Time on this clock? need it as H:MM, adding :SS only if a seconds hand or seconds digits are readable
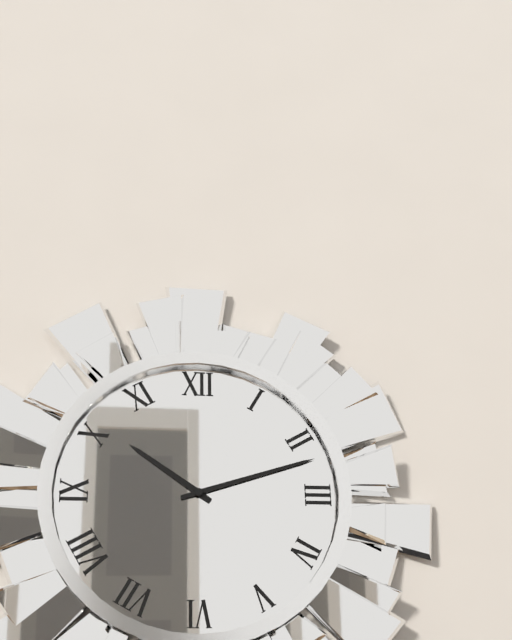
10:12
